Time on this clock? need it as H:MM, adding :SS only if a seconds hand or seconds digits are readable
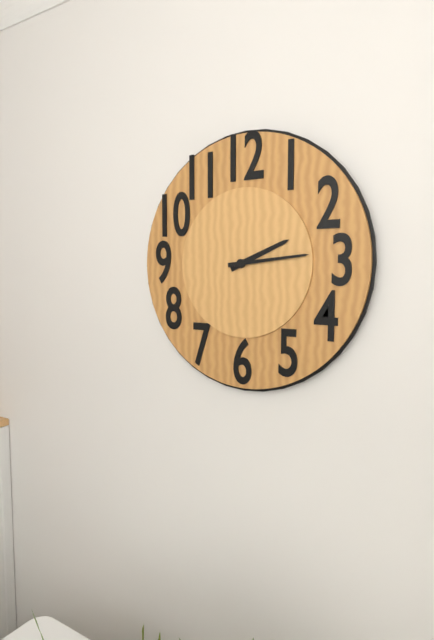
2:14
